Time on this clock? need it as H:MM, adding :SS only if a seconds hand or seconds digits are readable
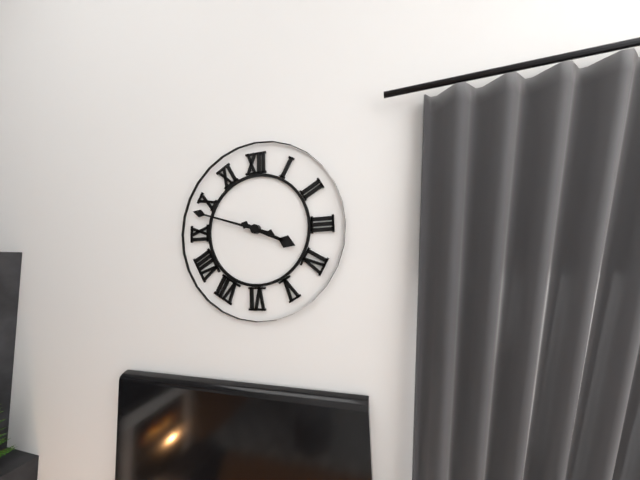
3:48
